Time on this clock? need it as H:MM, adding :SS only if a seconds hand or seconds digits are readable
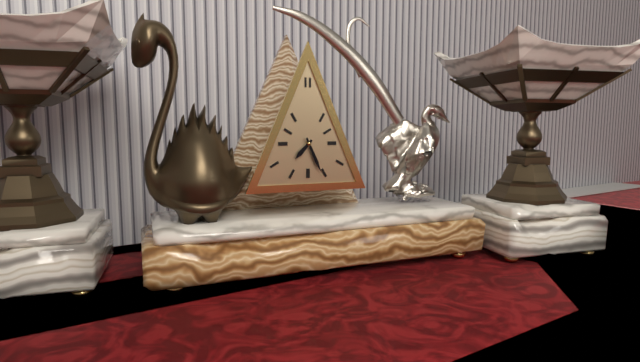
7:26
